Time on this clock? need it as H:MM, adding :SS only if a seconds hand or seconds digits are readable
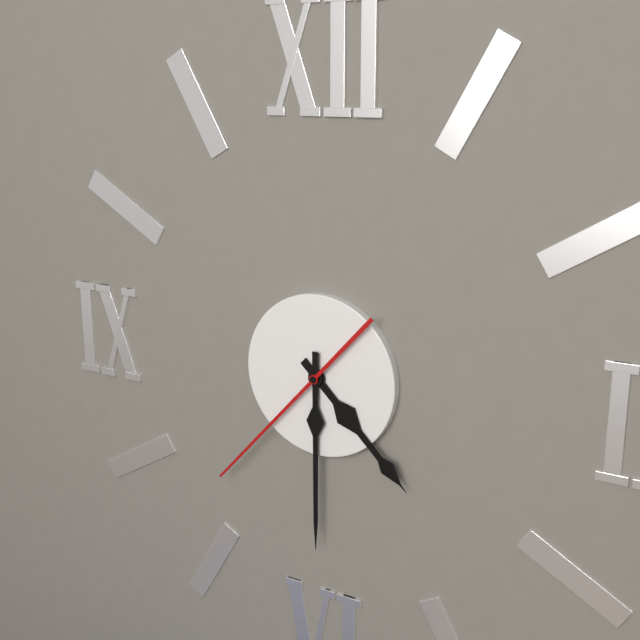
4:30:37
